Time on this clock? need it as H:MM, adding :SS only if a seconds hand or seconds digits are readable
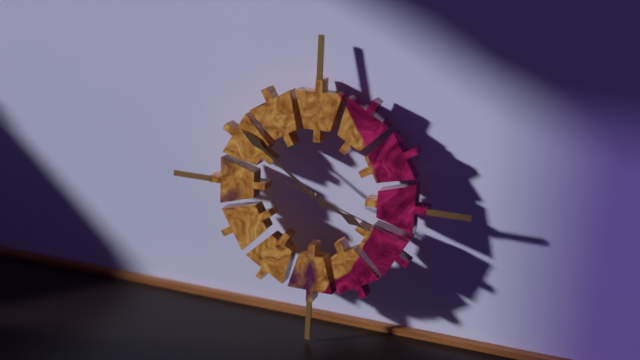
3:51:18
